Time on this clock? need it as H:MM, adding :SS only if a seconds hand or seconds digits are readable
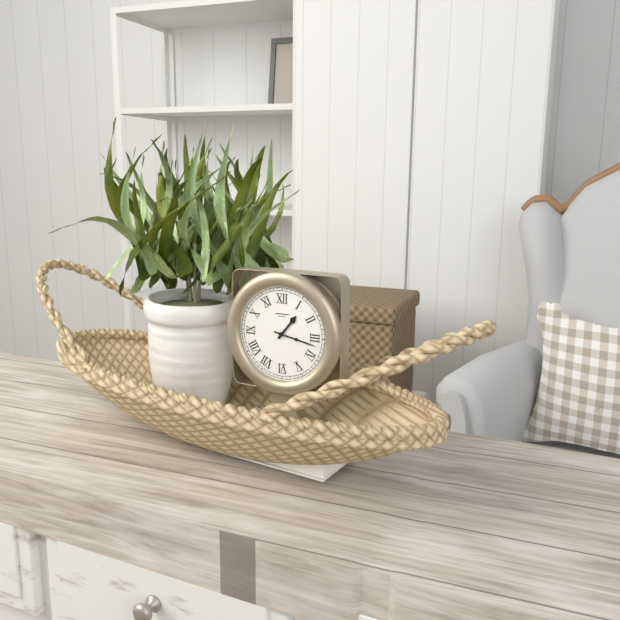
1:17
